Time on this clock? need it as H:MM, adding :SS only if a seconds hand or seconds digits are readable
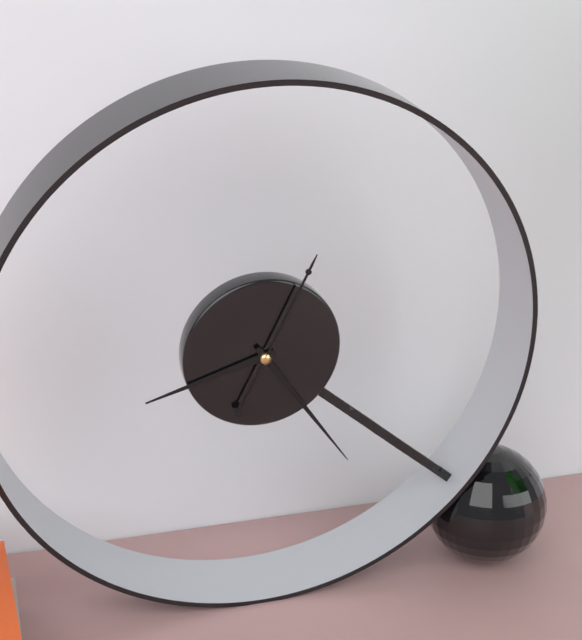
8:24:04
